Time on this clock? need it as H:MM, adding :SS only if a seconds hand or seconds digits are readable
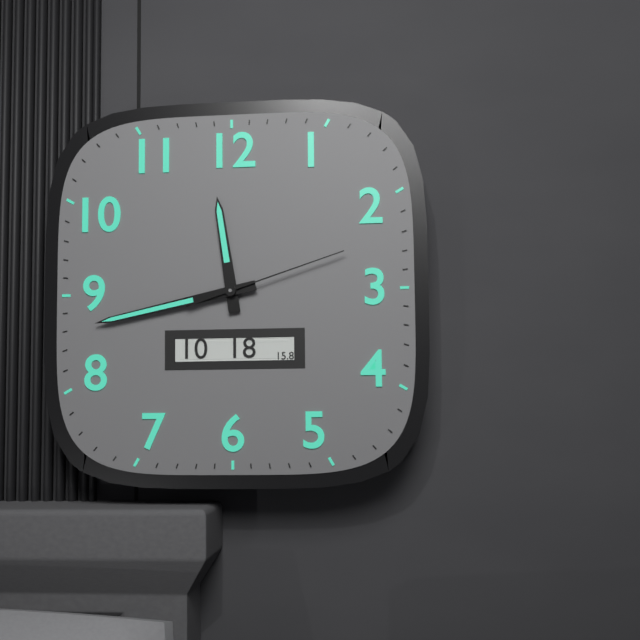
11:43:12
